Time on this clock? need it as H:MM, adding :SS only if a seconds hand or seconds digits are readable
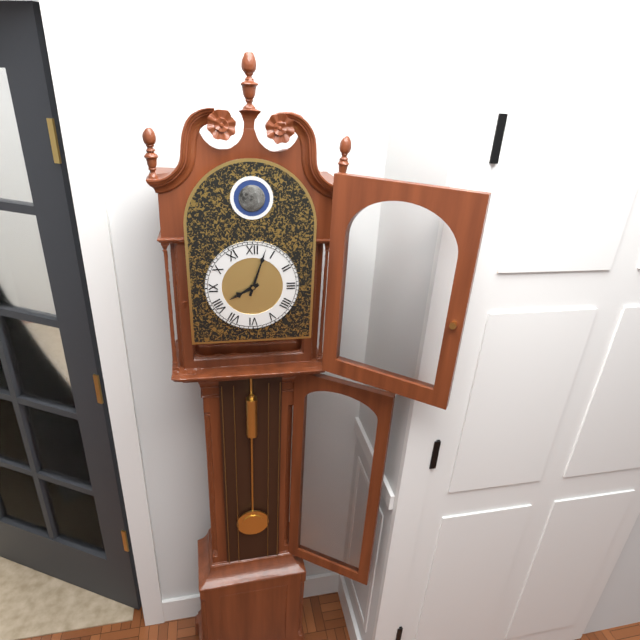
8:03
